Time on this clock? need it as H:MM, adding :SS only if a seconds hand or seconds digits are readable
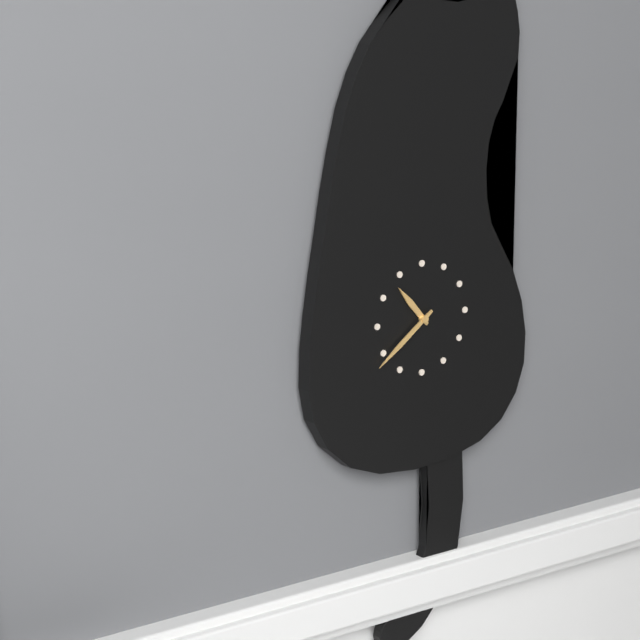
10:39
